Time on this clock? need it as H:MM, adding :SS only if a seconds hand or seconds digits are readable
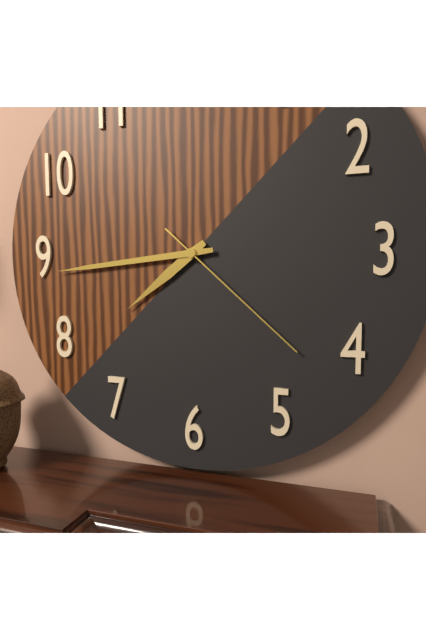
7:44:22
